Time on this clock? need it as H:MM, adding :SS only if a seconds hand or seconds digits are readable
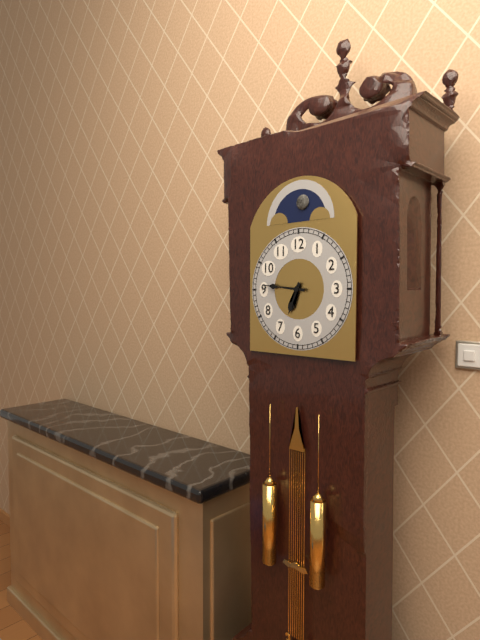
6:46
